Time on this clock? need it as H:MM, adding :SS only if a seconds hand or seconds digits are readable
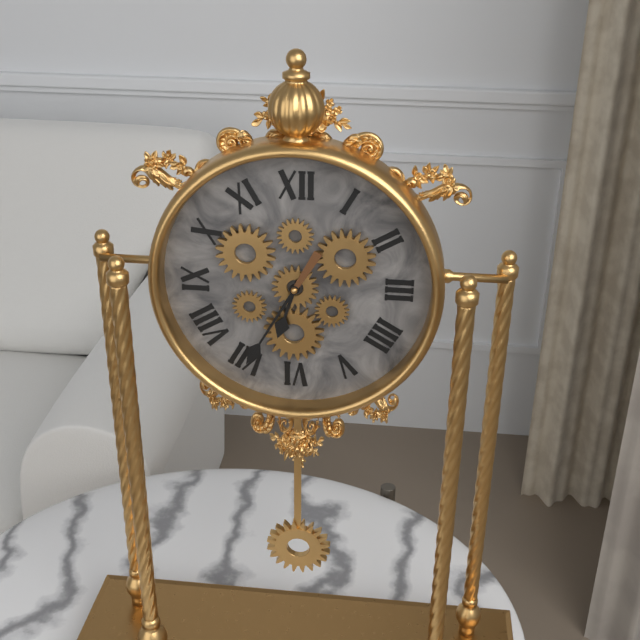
6:35
